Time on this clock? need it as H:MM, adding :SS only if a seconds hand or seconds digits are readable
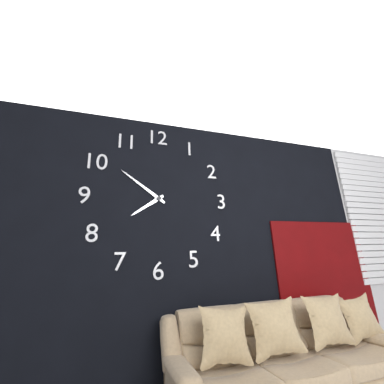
7:51
